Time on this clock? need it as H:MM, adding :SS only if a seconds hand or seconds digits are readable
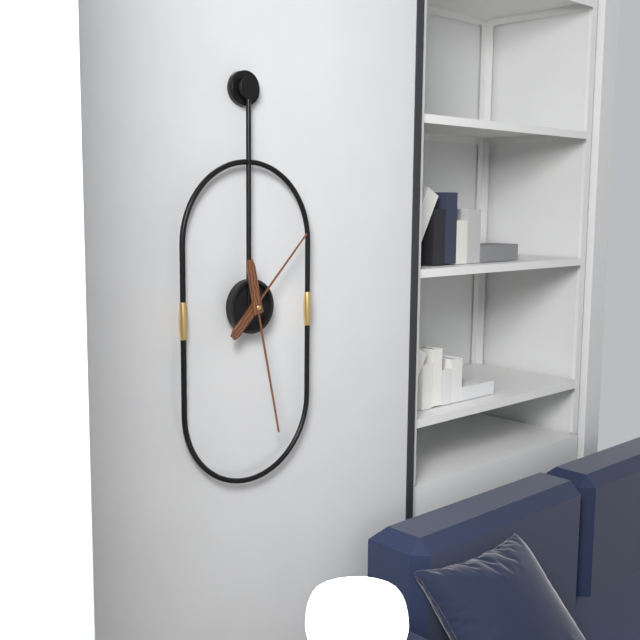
1:28
